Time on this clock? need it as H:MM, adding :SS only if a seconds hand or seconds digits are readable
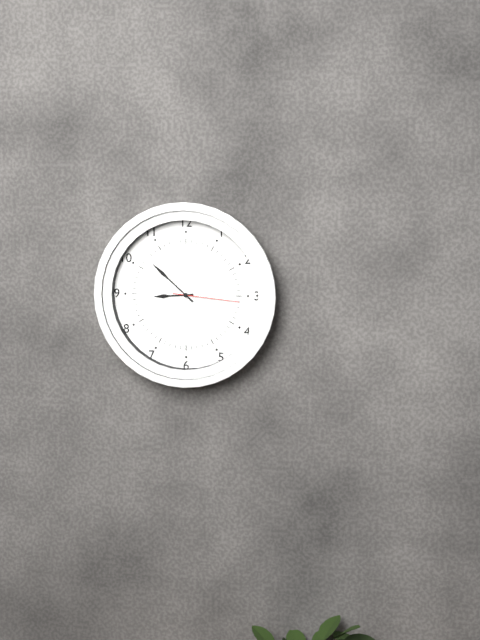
8:52:16
